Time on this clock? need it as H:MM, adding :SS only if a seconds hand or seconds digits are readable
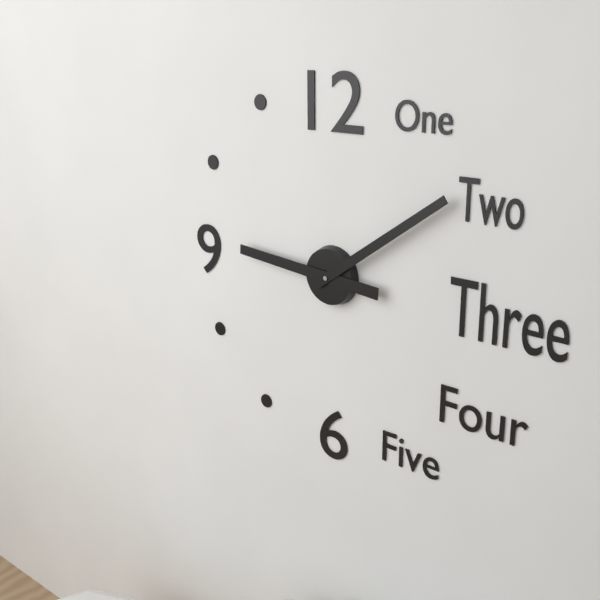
9:09
